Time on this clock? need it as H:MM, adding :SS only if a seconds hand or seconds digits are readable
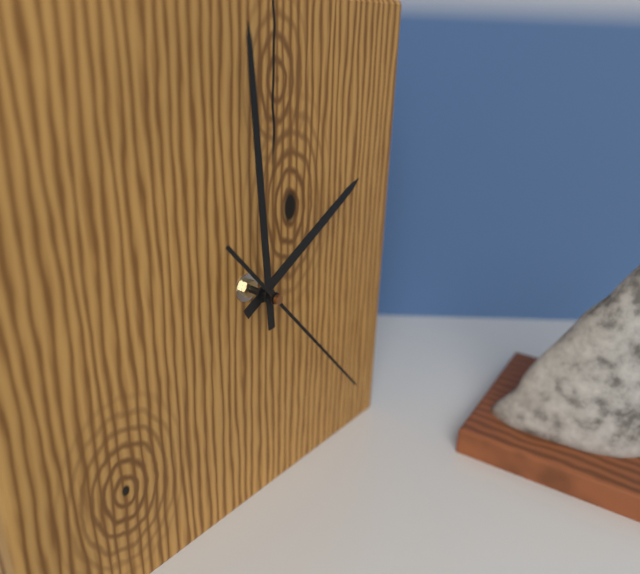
1:59:23
